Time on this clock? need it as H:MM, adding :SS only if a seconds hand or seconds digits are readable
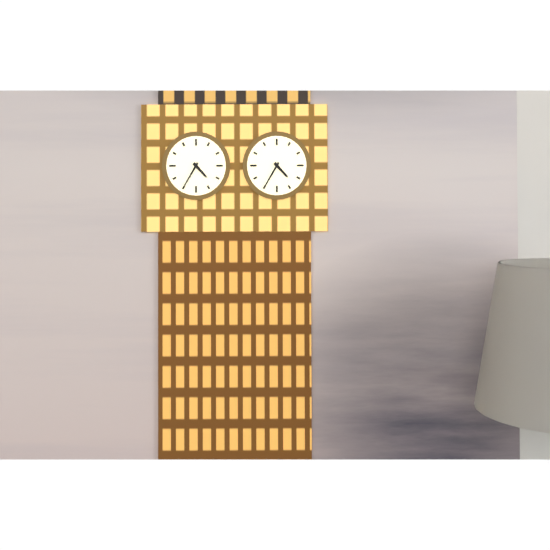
4:35
